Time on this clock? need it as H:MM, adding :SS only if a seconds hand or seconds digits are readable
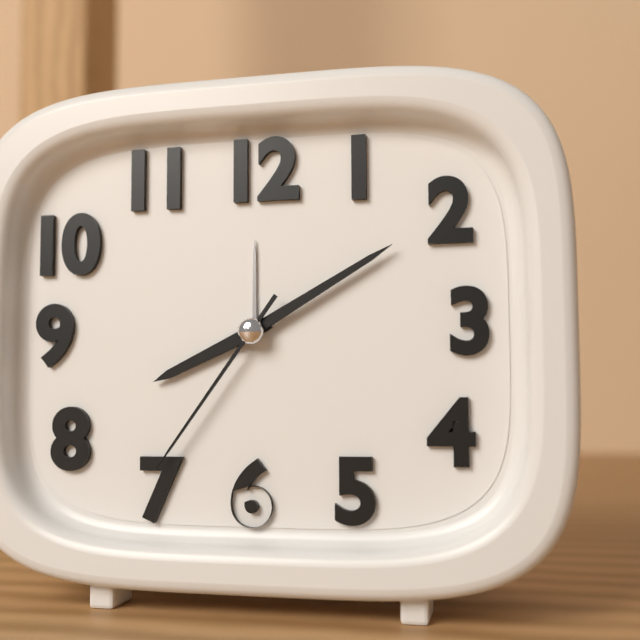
8:10:36
